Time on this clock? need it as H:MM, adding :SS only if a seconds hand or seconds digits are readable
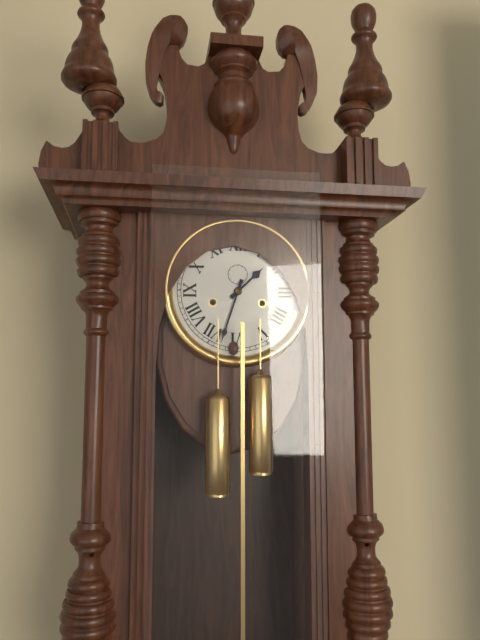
1:33
